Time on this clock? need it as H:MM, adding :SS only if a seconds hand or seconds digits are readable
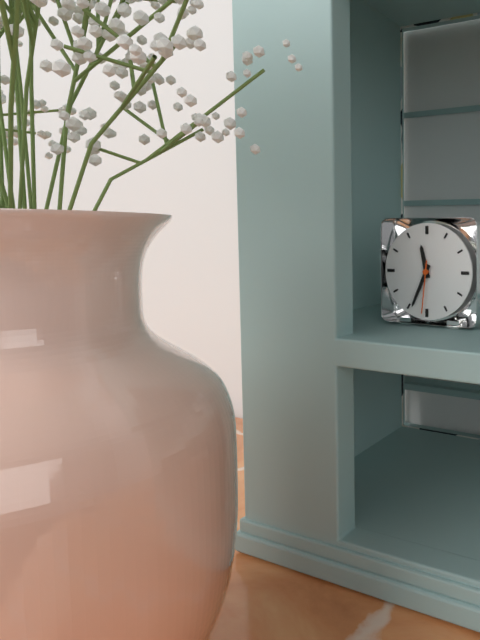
11:34:31
